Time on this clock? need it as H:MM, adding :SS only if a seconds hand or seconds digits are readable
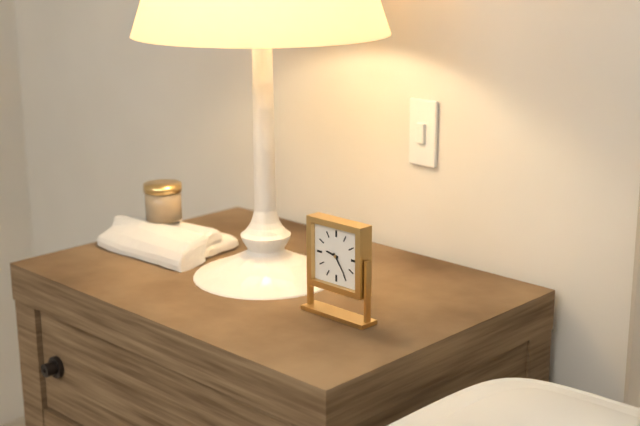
9:24
